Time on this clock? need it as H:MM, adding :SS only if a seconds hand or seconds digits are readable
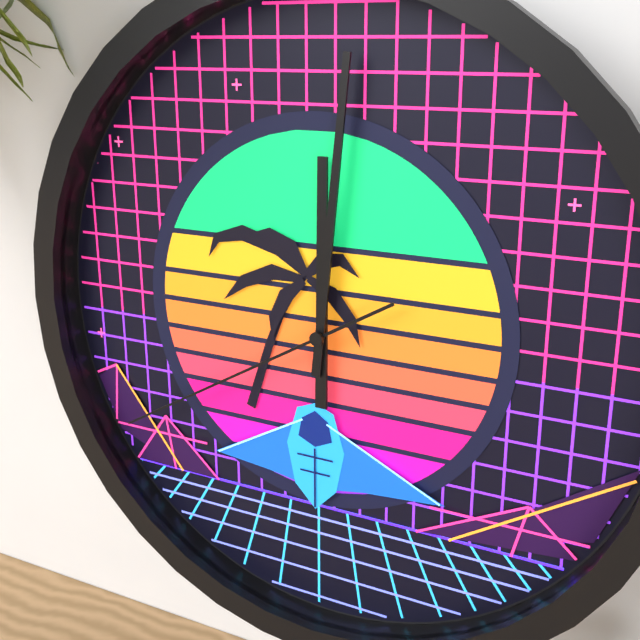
12:01:40
